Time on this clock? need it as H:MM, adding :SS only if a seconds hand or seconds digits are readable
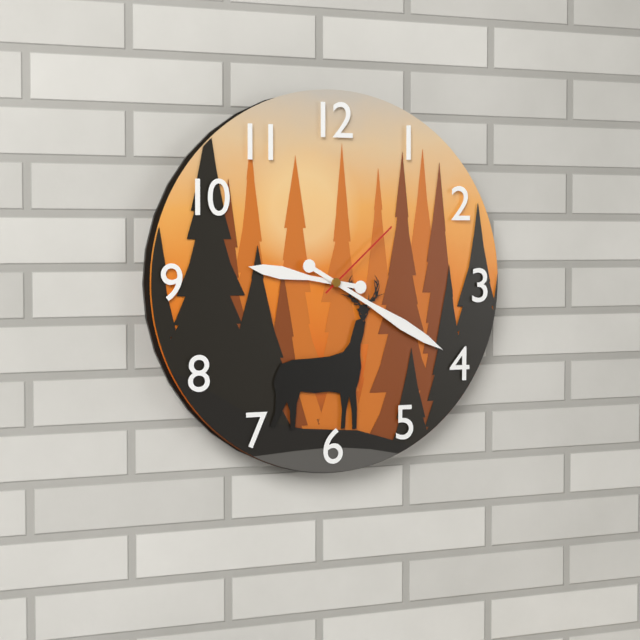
9:20:08
